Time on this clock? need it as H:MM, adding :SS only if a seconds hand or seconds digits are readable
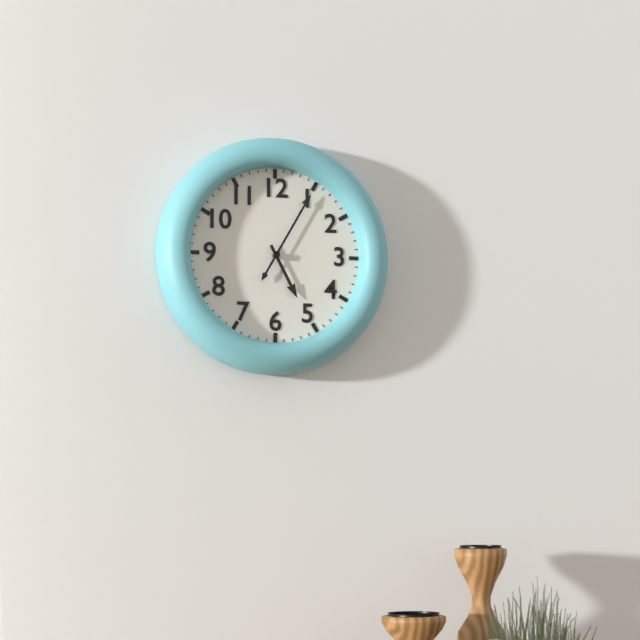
5:05
